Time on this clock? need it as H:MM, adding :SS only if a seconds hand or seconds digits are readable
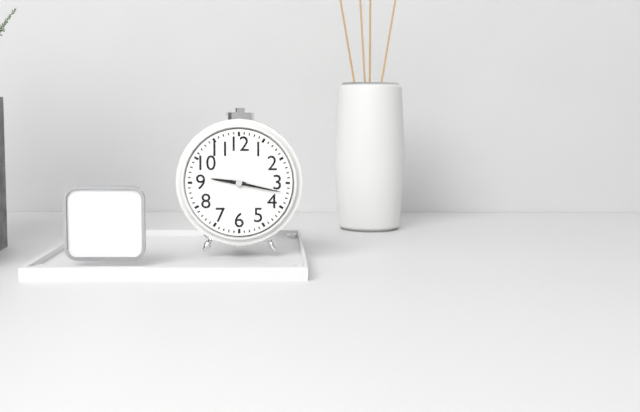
9:17
